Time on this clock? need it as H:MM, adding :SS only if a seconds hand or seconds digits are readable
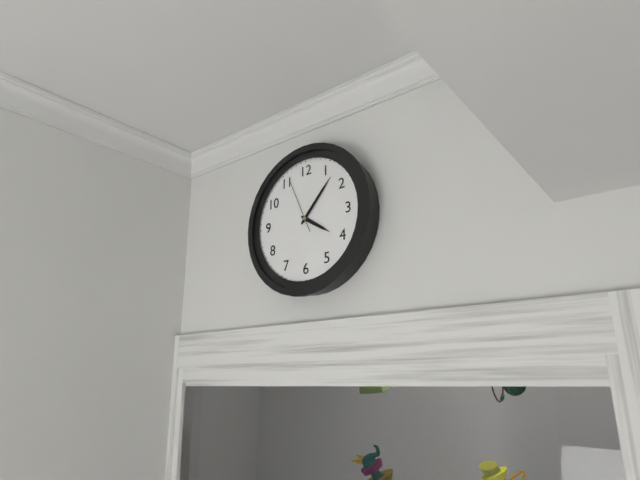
4:07:56
